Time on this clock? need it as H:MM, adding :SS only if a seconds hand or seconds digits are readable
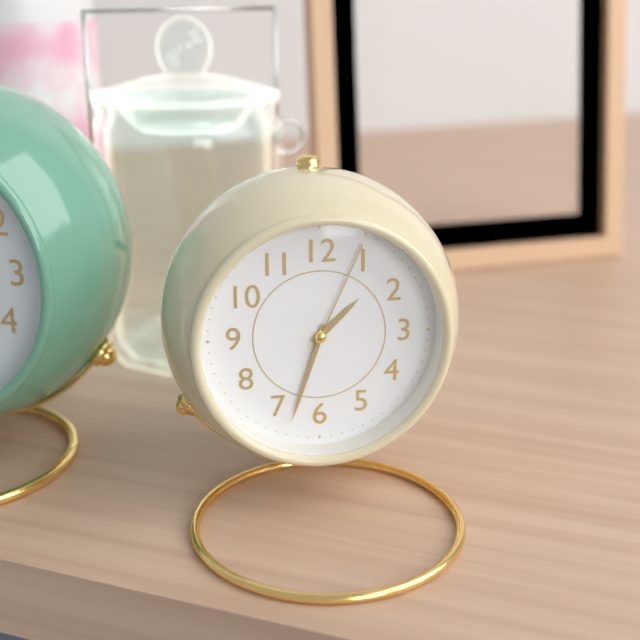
1:33:04
